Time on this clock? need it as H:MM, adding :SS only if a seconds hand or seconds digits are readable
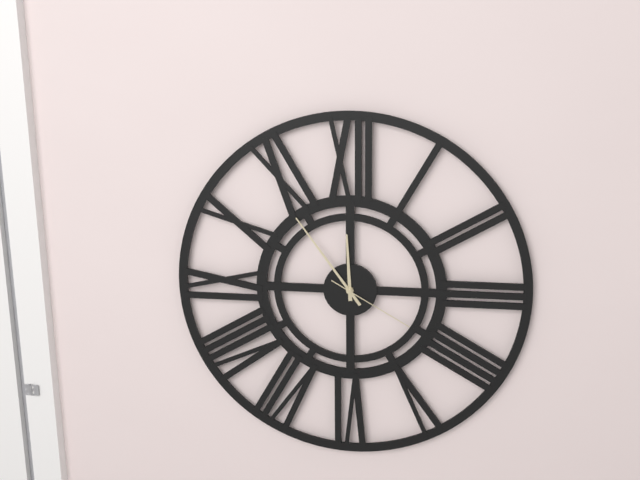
11:54:20
